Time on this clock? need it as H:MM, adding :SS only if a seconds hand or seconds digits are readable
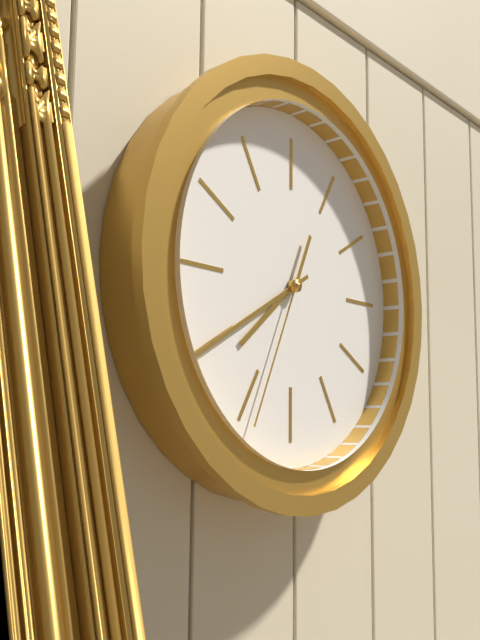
7:40:34
